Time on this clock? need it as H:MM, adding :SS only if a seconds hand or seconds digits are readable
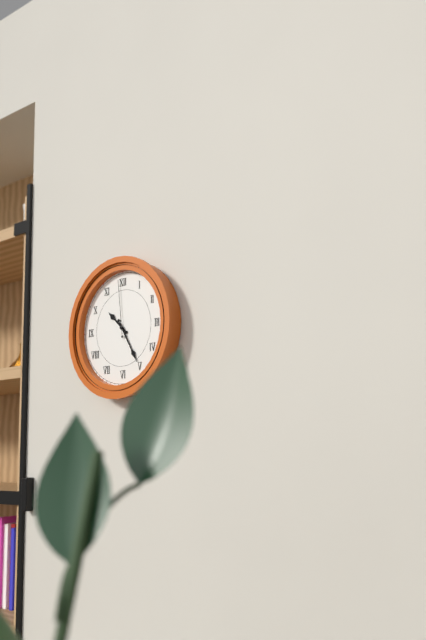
10:25:59
